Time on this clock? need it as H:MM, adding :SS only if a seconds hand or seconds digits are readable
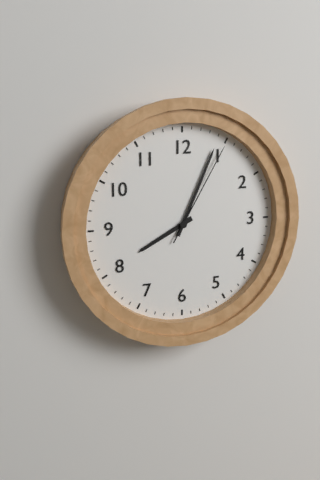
8:04:05
